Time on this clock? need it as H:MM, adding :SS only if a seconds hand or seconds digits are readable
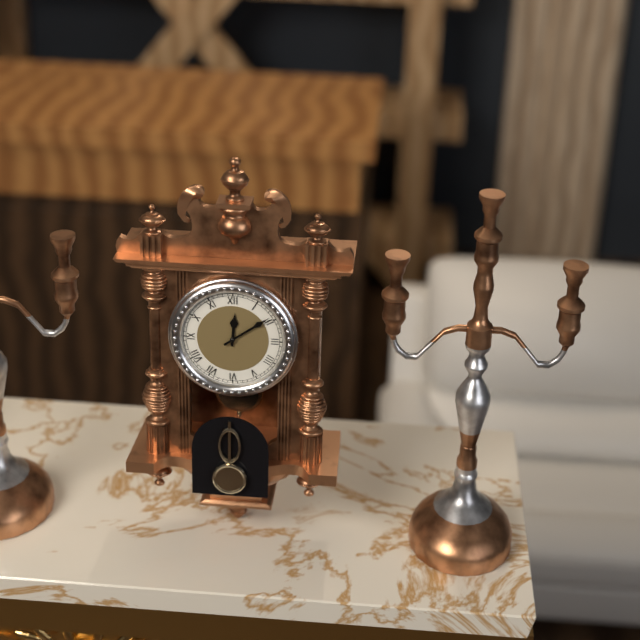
12:09
